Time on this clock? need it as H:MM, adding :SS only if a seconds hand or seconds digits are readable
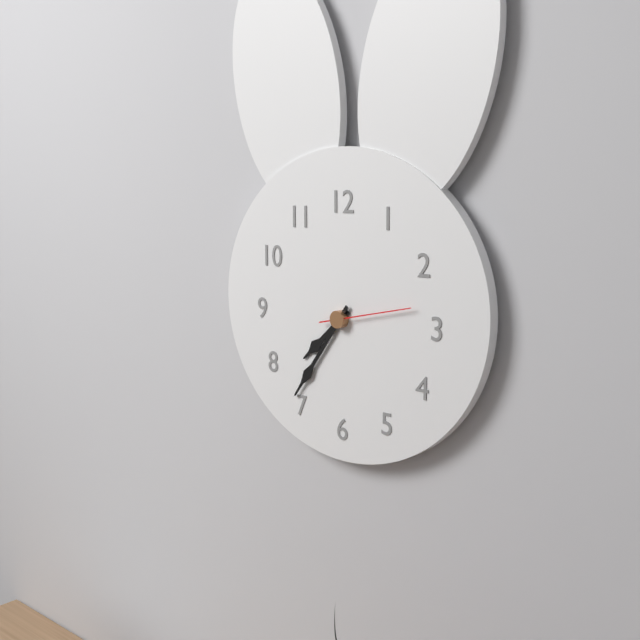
7:36:13
